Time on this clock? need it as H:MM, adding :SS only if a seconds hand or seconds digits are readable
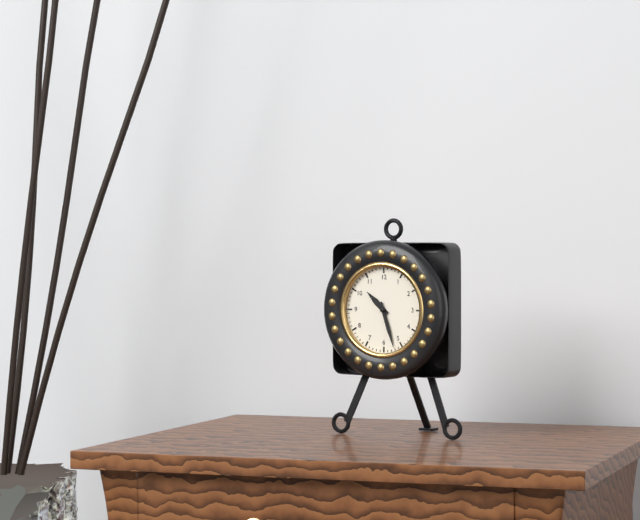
10:27
